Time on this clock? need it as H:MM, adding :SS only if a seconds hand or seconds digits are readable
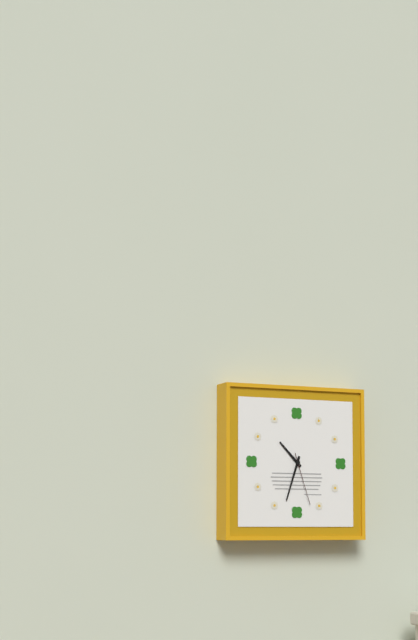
10:33:27
